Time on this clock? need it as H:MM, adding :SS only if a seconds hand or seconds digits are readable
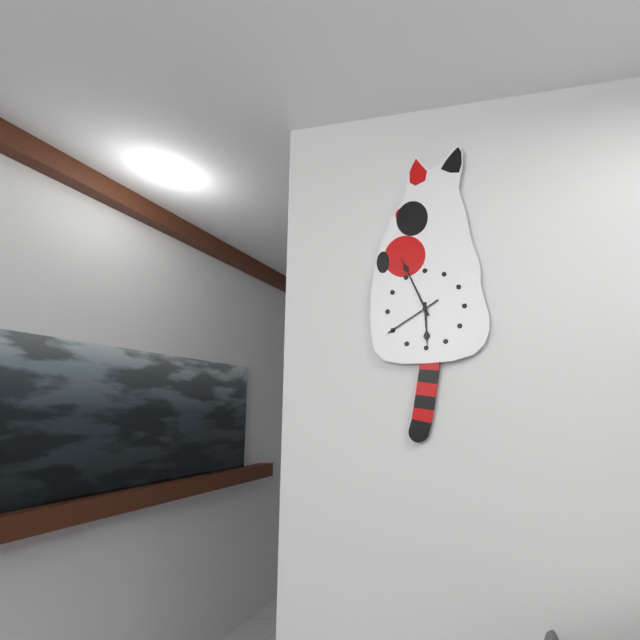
5:56:40
